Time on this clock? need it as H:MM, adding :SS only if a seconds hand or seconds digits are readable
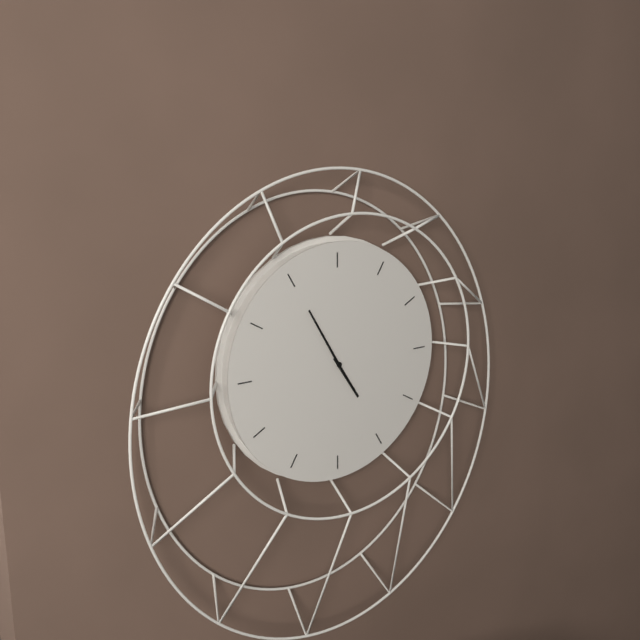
4:55
